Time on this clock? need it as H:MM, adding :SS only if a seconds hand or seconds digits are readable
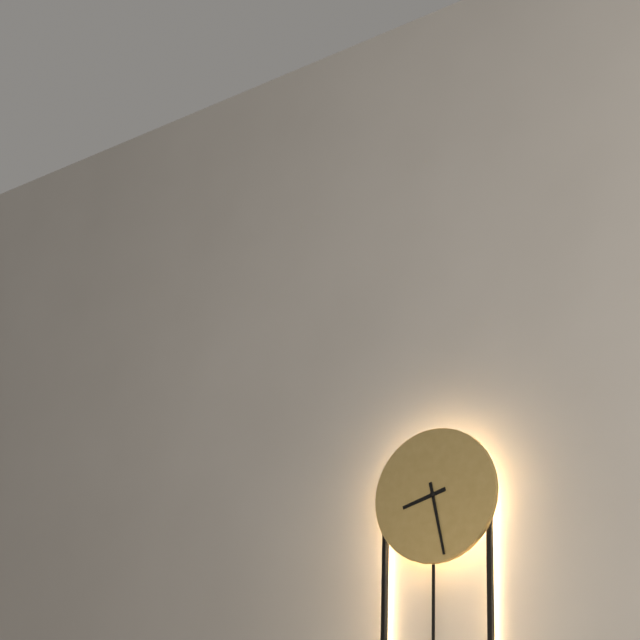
8:28
